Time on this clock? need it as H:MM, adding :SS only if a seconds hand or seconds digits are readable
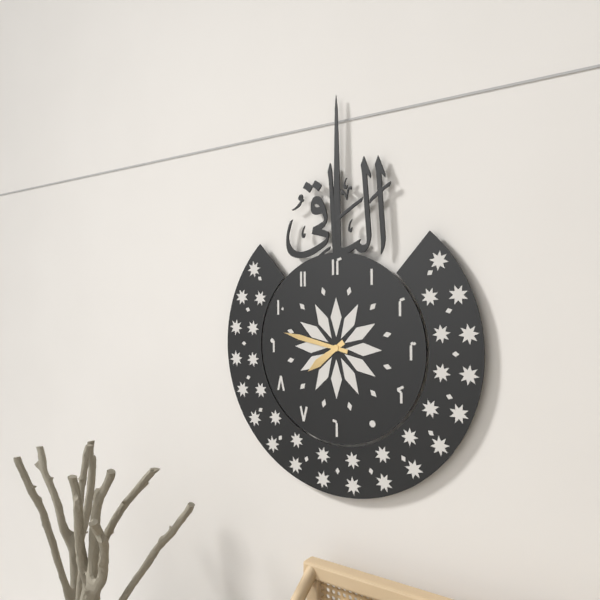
7:47
